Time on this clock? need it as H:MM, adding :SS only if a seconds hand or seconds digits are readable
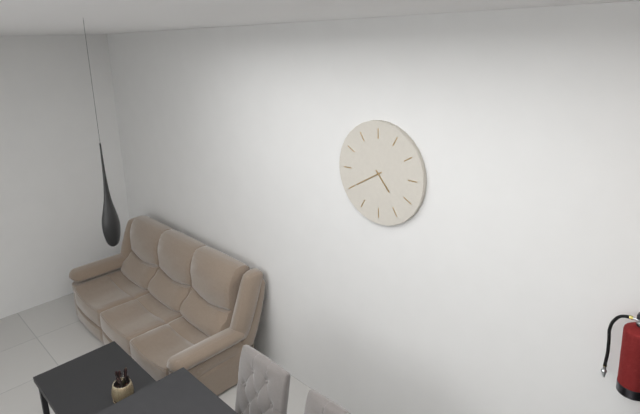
4:40
